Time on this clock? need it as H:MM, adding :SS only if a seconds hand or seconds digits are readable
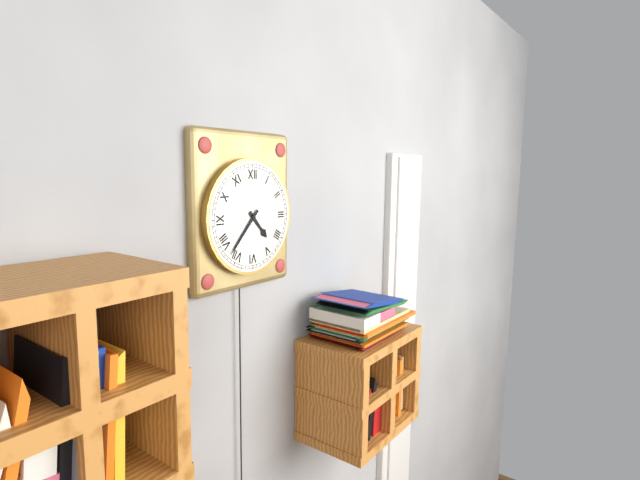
4:37
